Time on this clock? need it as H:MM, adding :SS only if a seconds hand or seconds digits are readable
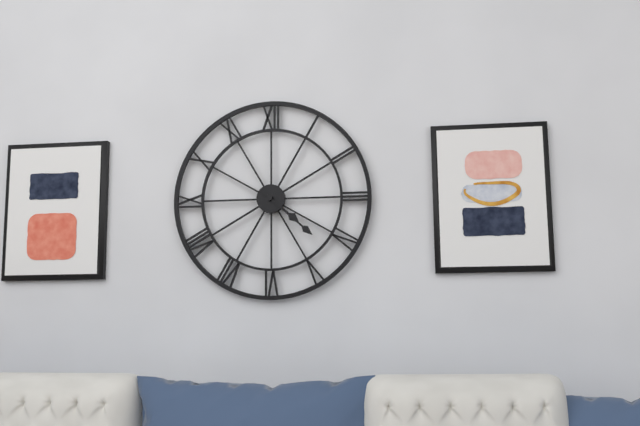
4:22
